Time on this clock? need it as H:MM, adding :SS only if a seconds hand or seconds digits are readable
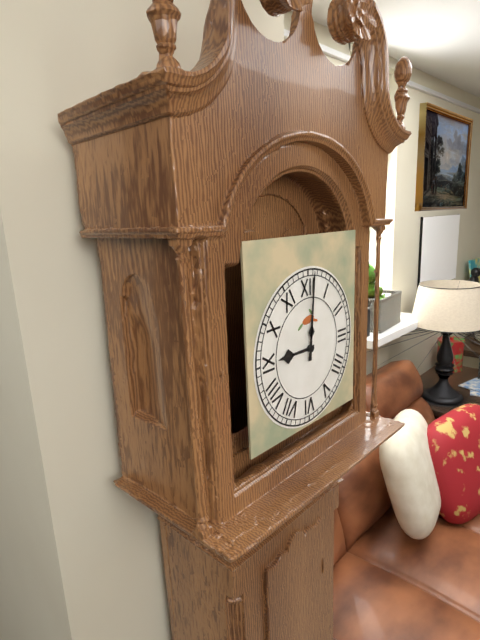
9:01
